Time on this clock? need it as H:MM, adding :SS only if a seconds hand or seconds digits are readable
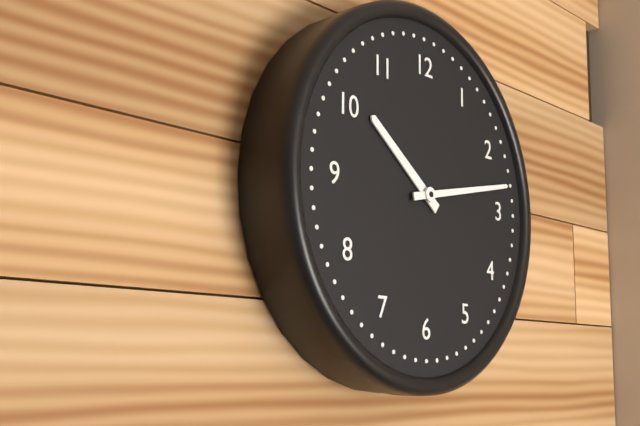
10:13
